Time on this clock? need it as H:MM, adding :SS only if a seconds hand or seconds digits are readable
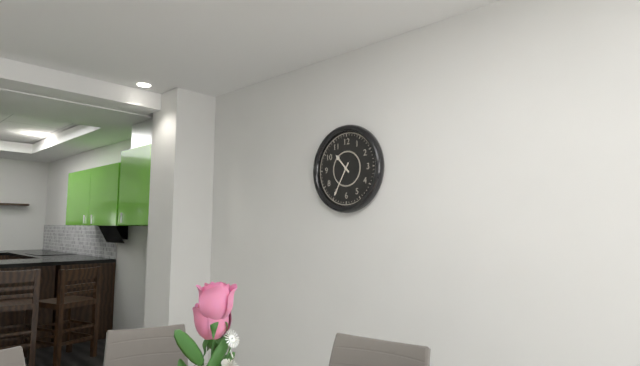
10:35
